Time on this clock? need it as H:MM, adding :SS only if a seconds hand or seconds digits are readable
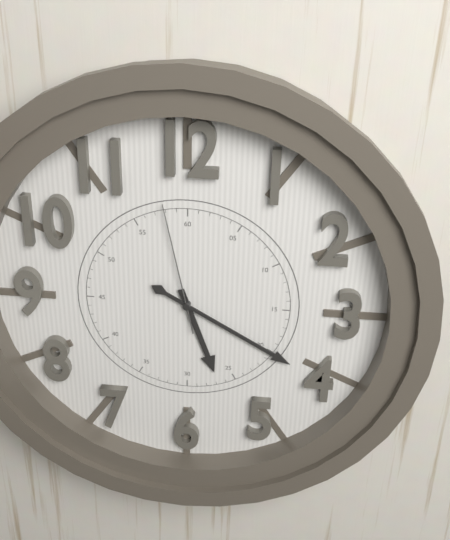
5:20:58
